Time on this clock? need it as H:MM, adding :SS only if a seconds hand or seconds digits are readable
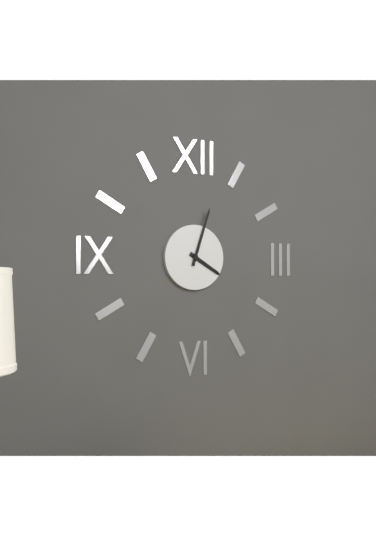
4:03
